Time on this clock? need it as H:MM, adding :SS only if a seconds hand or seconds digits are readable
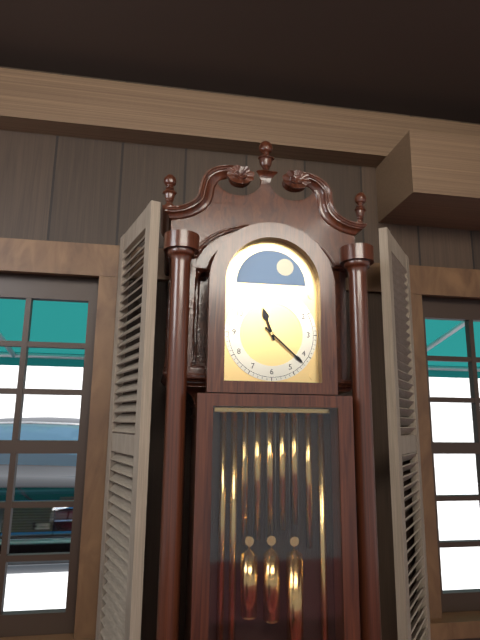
11:22
